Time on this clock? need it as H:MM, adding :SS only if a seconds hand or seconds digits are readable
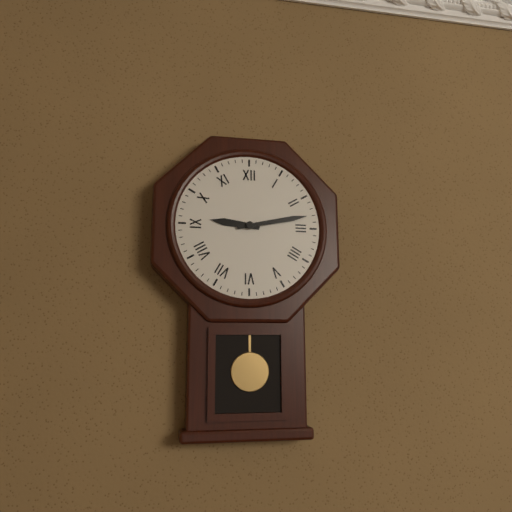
9:13
